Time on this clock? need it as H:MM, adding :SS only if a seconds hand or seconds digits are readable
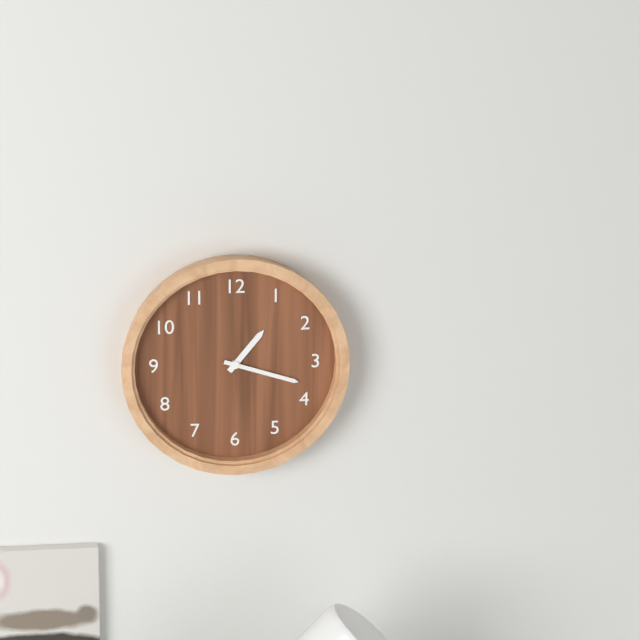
1:18
